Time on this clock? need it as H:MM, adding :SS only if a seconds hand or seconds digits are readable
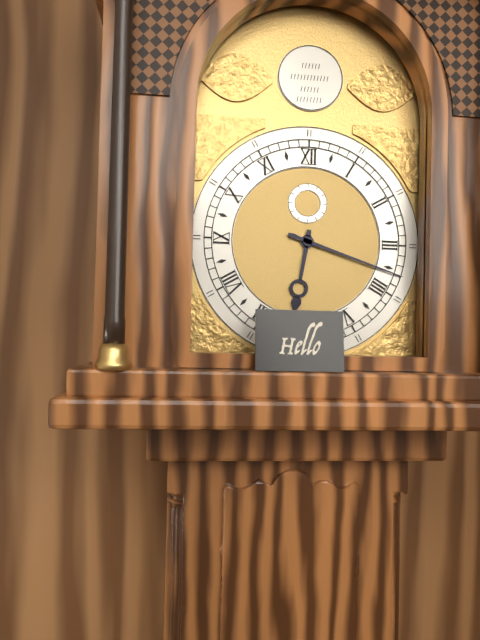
6:18
